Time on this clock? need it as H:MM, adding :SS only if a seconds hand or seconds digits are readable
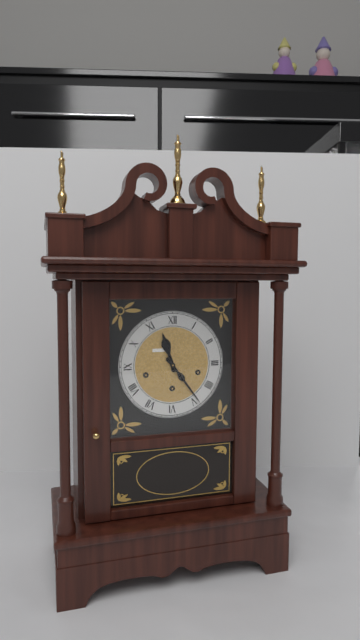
11:24
